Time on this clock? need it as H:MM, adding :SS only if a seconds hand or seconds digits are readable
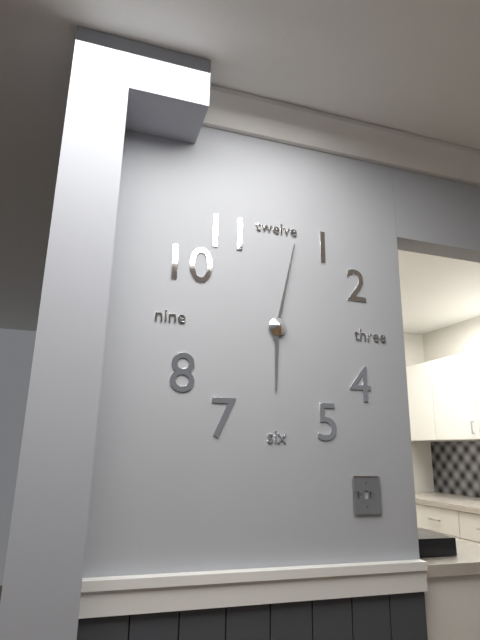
6:02
